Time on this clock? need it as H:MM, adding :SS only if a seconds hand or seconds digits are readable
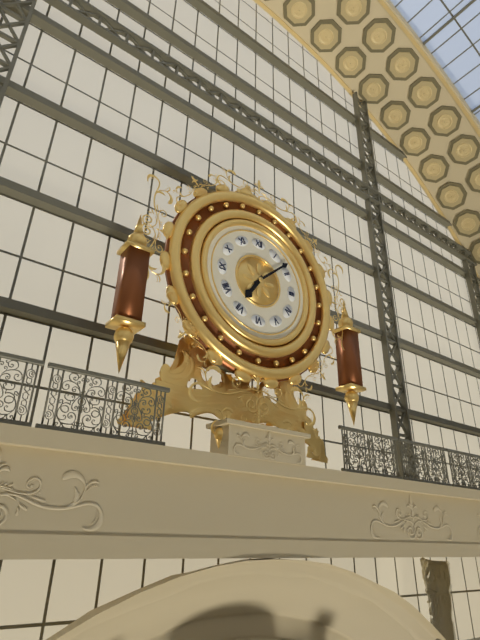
7:08
